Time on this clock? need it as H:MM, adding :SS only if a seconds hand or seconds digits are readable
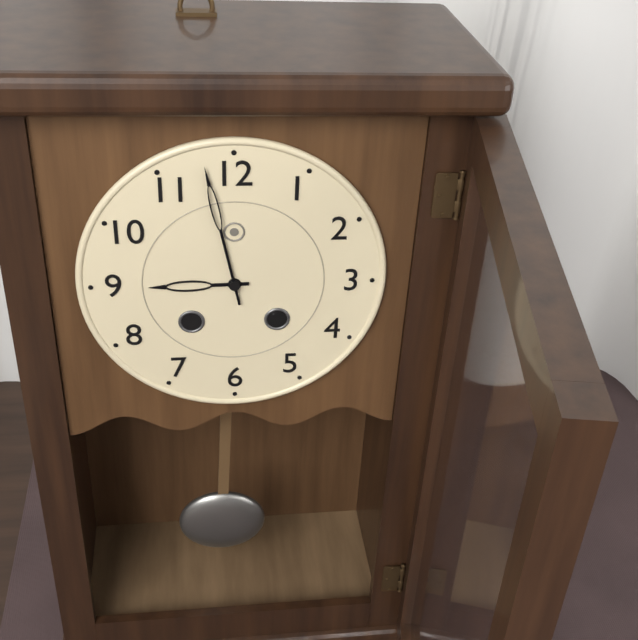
8:58
